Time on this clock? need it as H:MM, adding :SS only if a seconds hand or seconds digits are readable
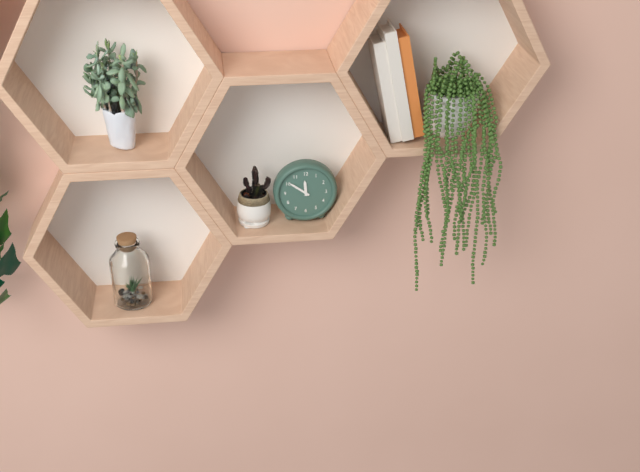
11:51
